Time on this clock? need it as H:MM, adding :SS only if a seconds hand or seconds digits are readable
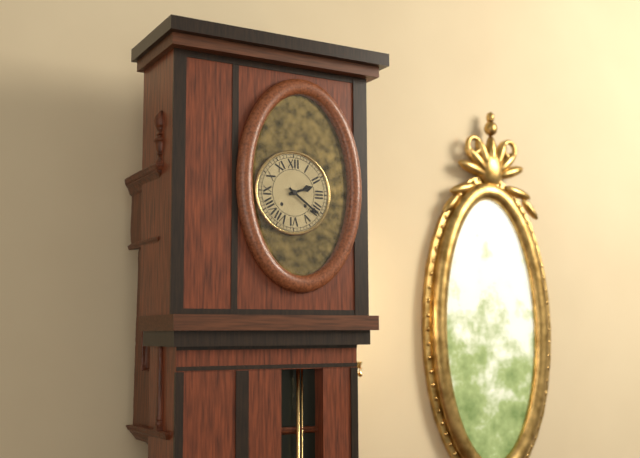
2:21
